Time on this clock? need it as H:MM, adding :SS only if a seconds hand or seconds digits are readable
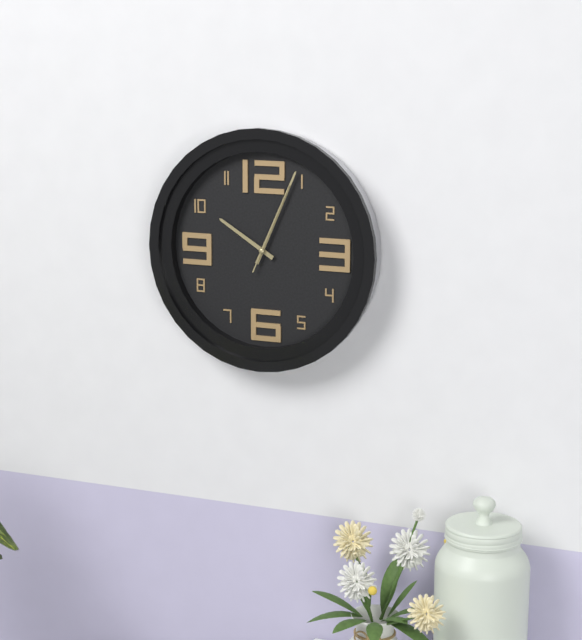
10:04:04
